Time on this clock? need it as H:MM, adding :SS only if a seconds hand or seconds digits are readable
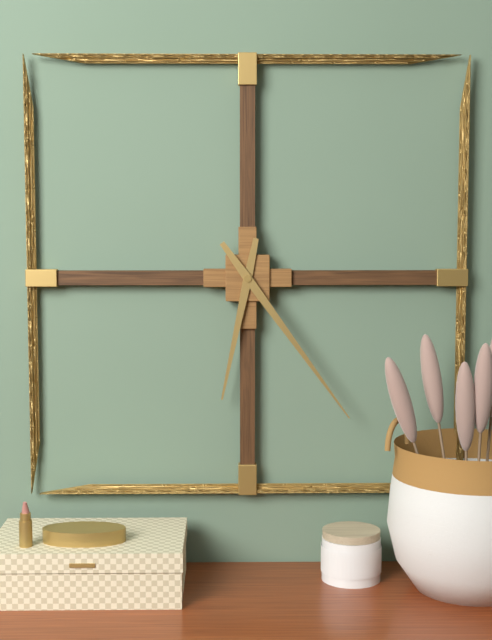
6:24
